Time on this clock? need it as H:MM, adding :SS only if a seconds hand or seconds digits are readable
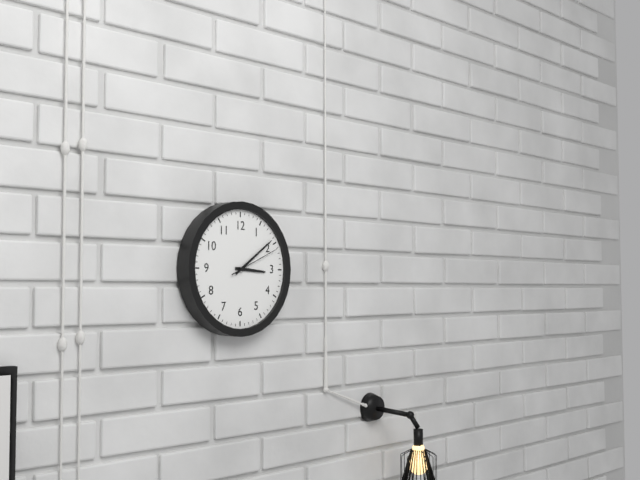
3:09:11
